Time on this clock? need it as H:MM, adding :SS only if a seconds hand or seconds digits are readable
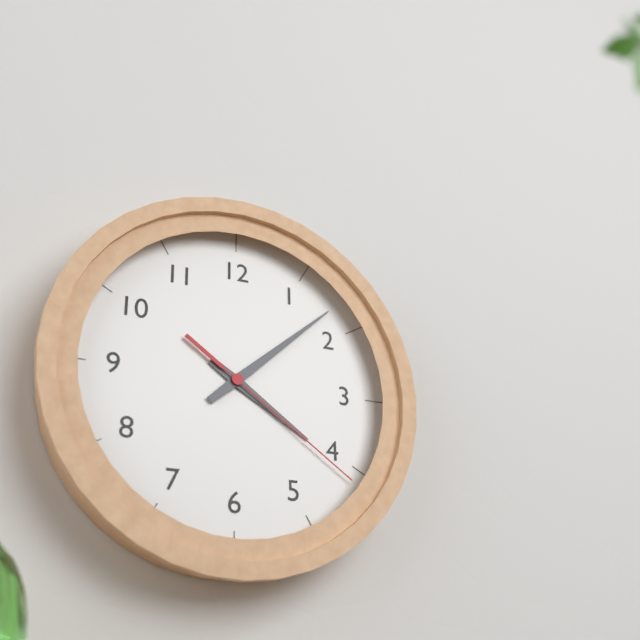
4:08:21
